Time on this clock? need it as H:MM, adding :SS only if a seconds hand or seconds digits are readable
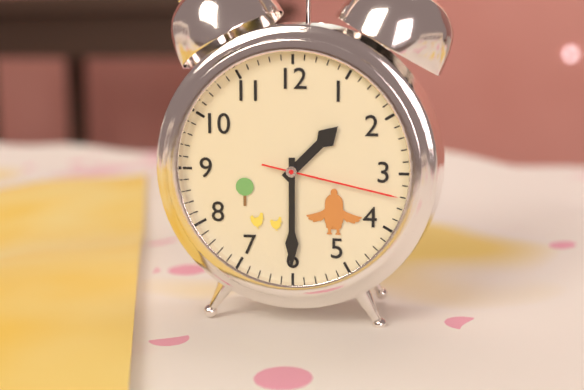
1:30:17
